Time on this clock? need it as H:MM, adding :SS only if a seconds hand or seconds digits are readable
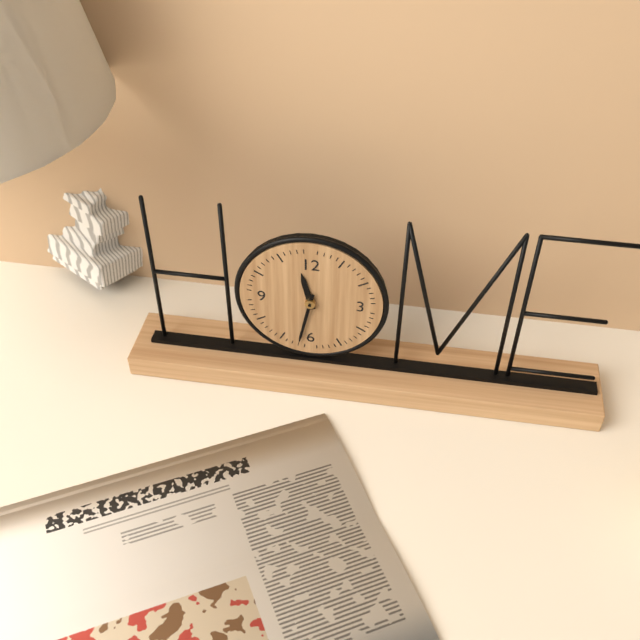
11:32
